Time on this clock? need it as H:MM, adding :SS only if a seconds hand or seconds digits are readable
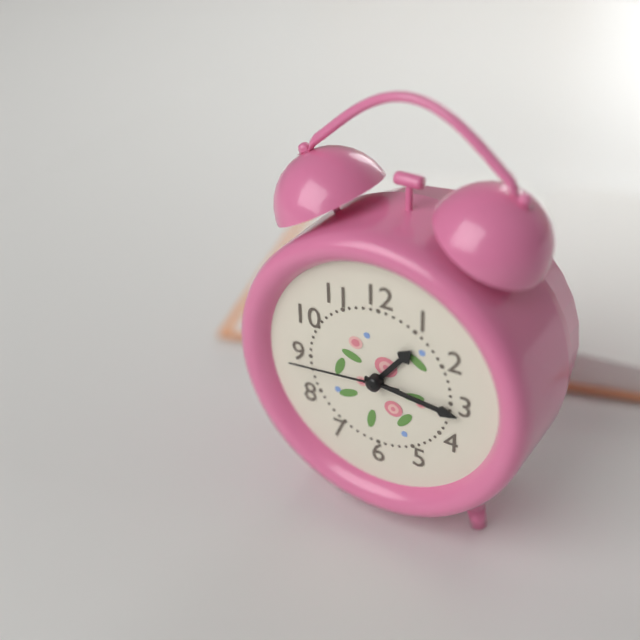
1:16:44
